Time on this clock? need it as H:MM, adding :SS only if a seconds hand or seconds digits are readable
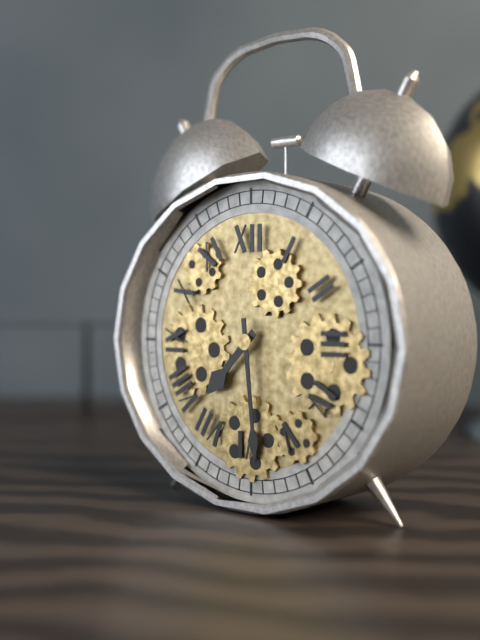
7:29
